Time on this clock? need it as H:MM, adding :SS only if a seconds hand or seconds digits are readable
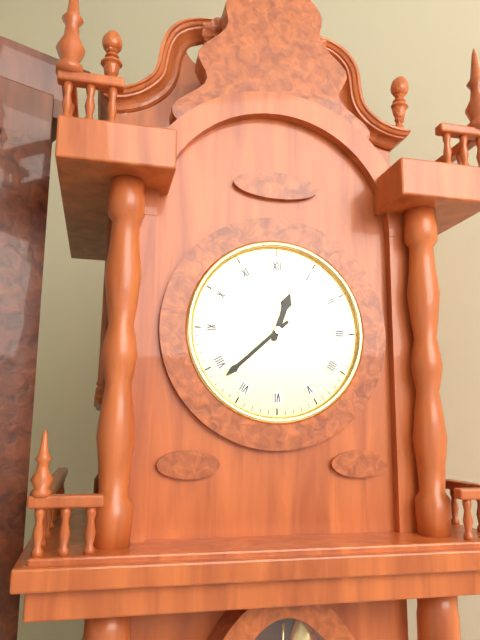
12:38
